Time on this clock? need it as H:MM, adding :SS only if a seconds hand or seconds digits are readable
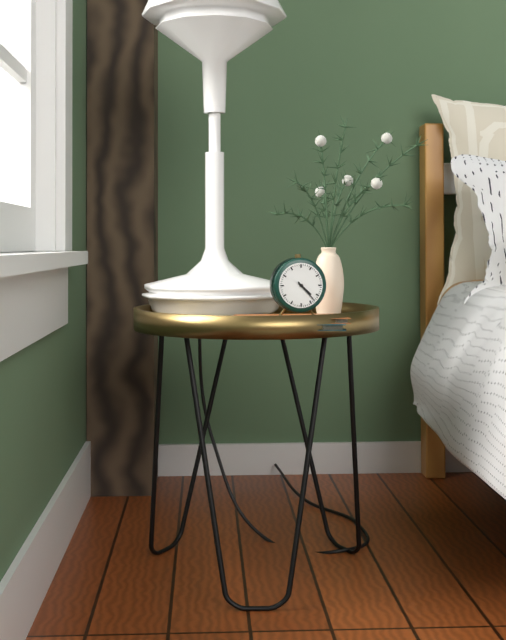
4:23
